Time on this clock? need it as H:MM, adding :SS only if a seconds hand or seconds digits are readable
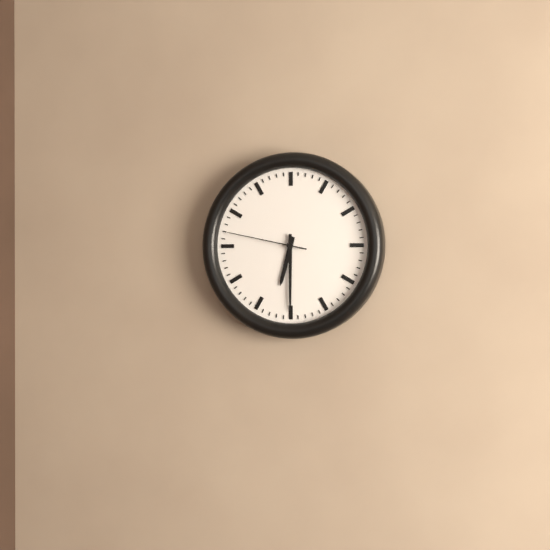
6:30:47
